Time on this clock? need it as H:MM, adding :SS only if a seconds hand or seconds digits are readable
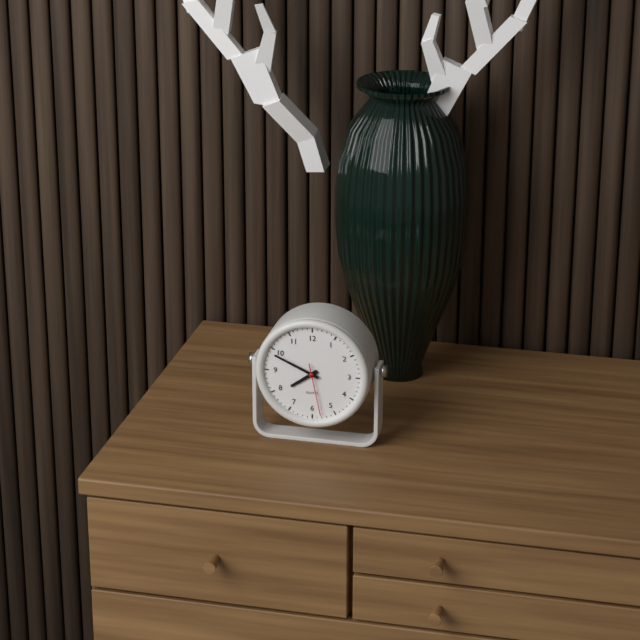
7:49:28
